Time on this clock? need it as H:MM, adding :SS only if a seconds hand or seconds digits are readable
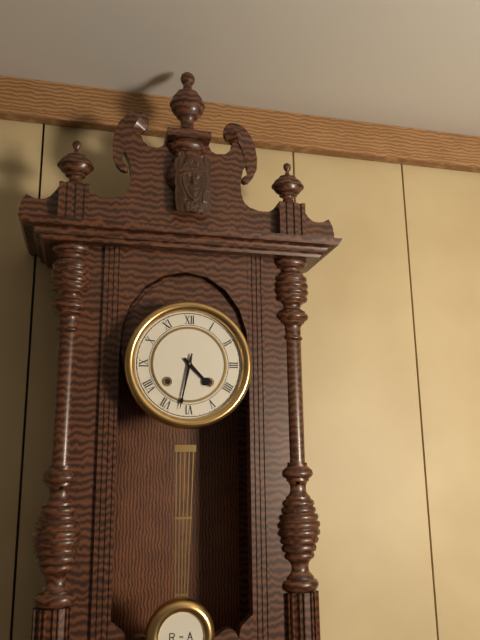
4:32
